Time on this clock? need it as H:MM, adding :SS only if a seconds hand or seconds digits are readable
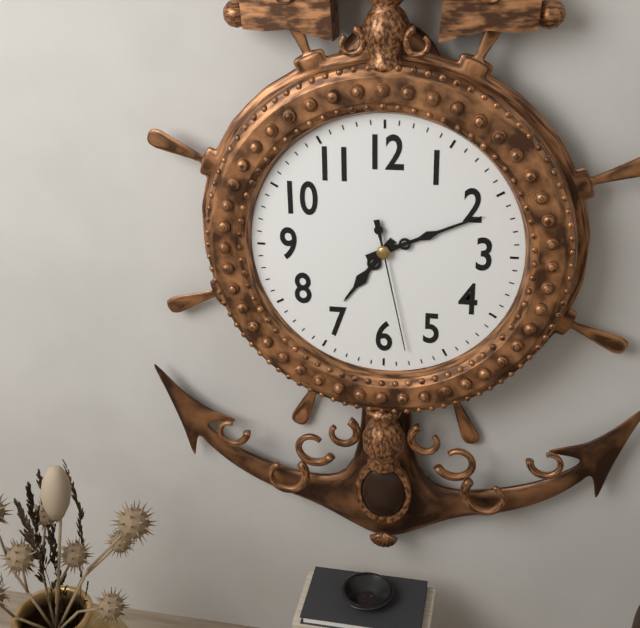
7:11:28
